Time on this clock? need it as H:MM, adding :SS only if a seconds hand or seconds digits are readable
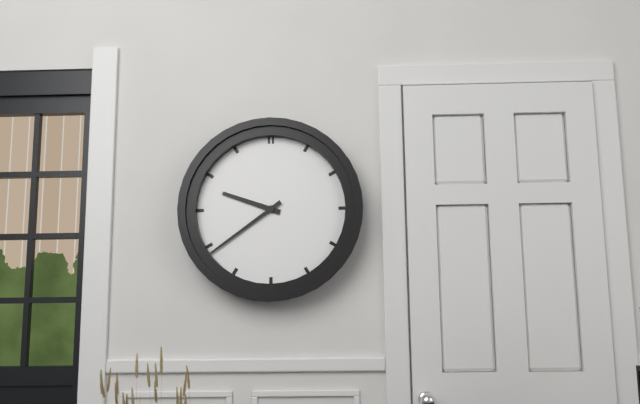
9:39
